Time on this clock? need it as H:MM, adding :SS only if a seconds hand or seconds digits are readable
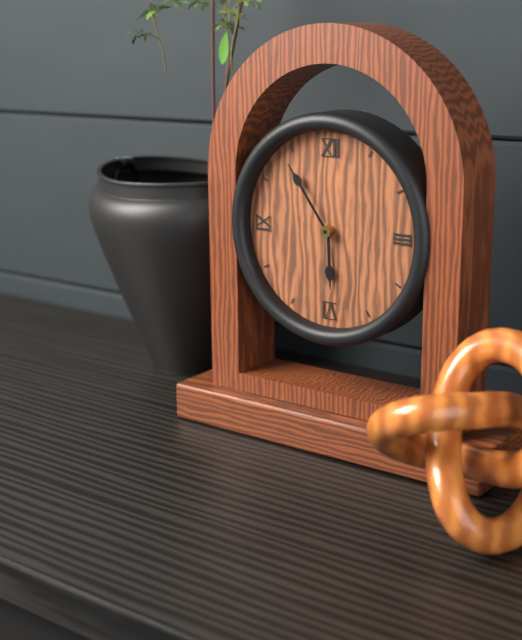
5:54
